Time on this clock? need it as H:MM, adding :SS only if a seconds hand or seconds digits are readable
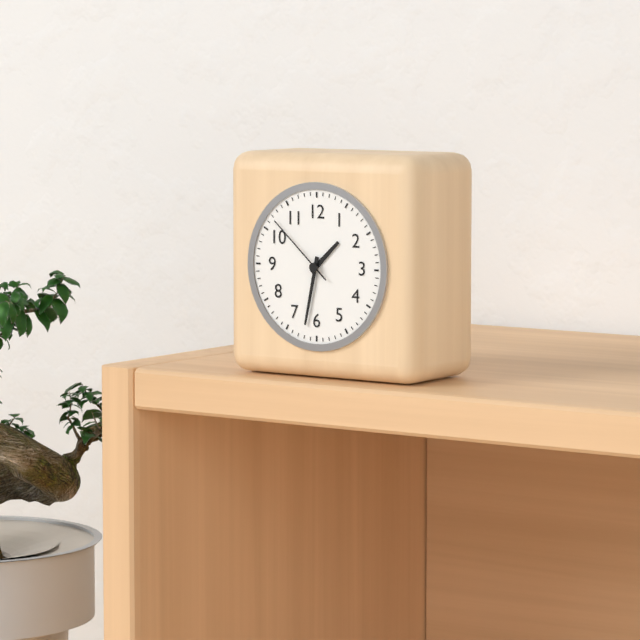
1:32:52
